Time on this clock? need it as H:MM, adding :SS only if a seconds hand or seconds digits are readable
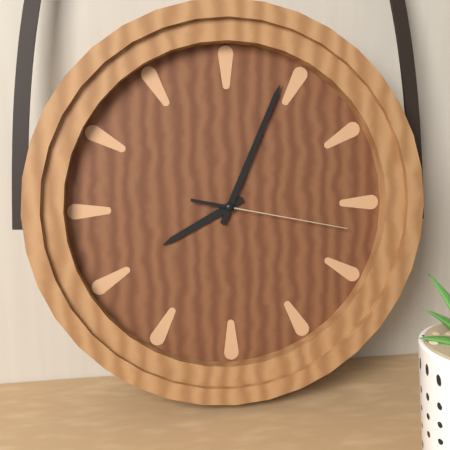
8:04:17
